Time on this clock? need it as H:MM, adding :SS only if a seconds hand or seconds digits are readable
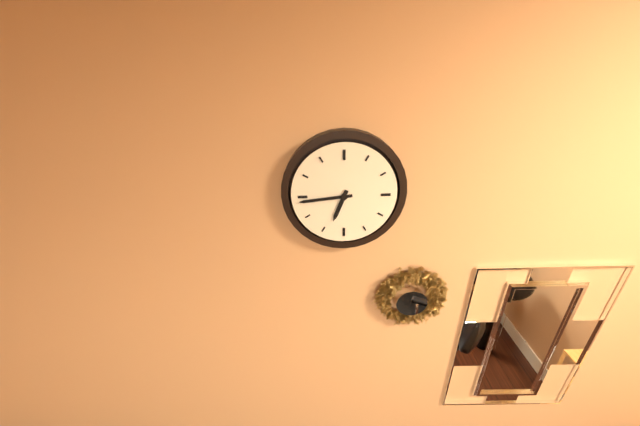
6:44
